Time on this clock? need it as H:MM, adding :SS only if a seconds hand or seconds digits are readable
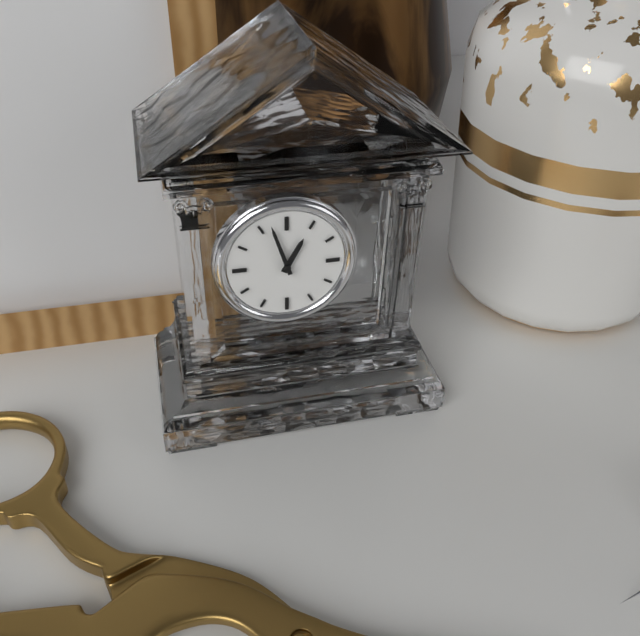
12:57
